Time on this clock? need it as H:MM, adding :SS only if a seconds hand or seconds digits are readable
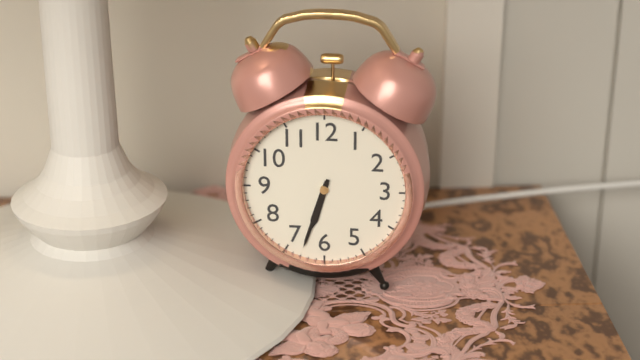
6:33
